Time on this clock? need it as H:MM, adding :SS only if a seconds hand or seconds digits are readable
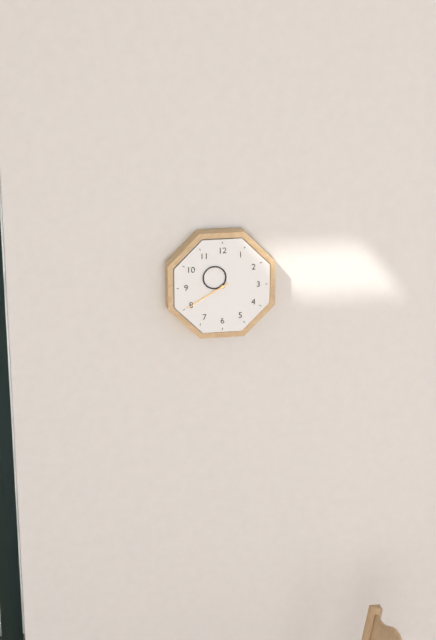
10:40
